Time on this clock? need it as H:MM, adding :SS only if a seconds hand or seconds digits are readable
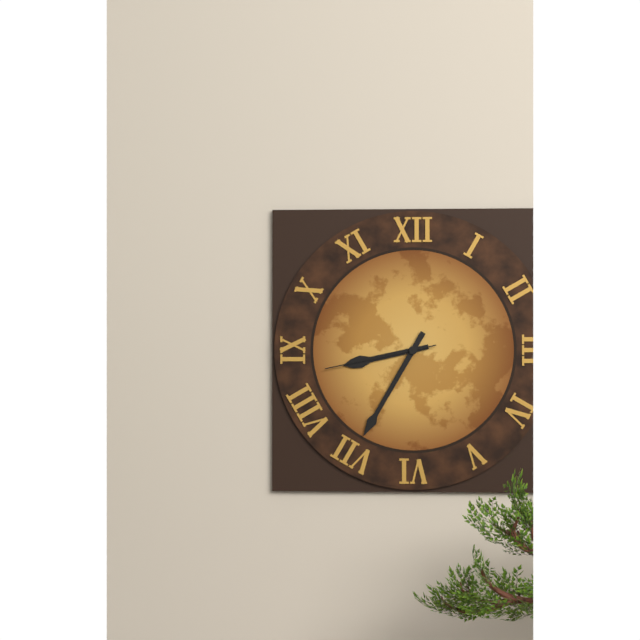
8:35:43
